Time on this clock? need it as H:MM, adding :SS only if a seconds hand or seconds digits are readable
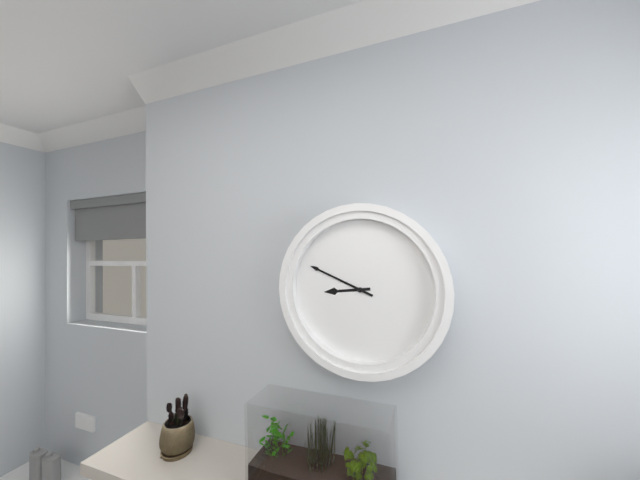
8:49
